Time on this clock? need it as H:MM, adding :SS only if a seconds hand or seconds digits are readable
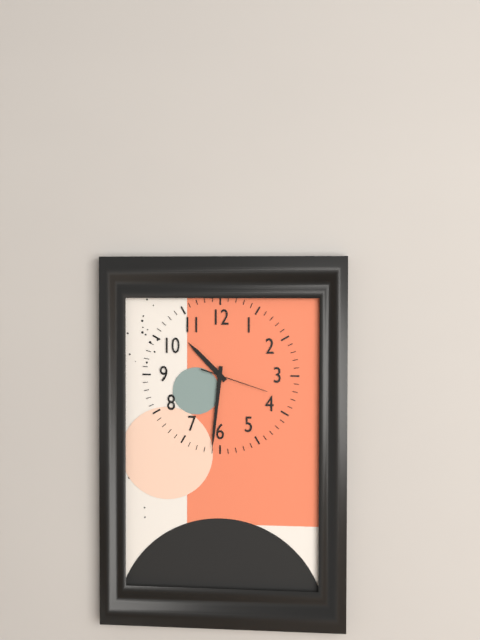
10:31:18
